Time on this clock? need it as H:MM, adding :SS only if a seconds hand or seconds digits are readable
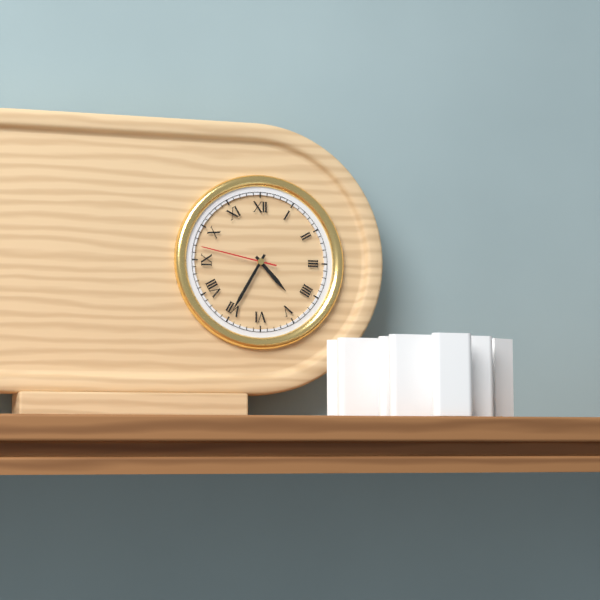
4:35:47
